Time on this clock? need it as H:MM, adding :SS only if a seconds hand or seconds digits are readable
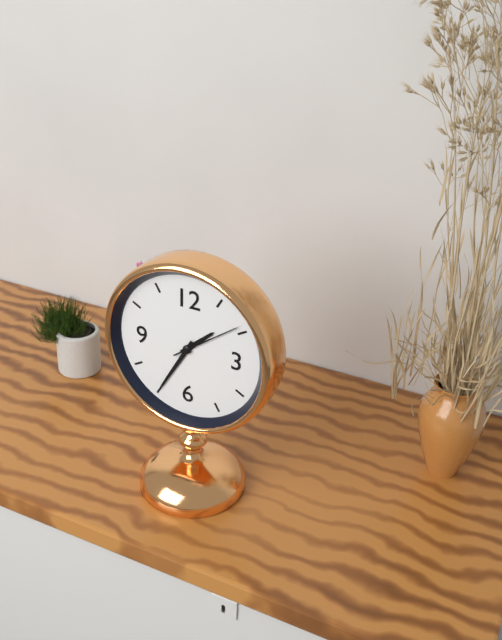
1:35:09
